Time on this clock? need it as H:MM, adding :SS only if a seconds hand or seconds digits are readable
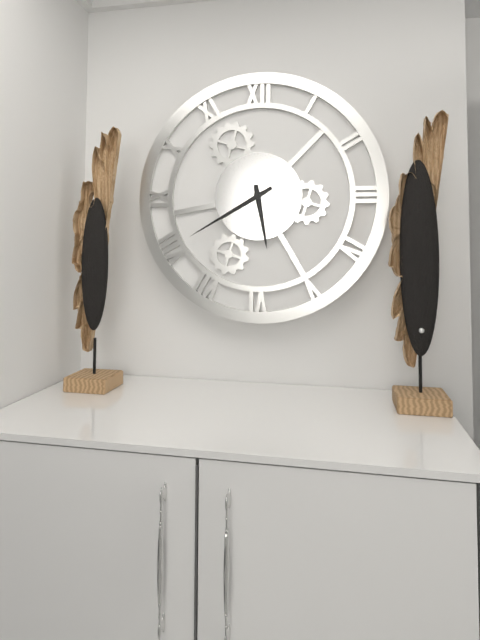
5:40
